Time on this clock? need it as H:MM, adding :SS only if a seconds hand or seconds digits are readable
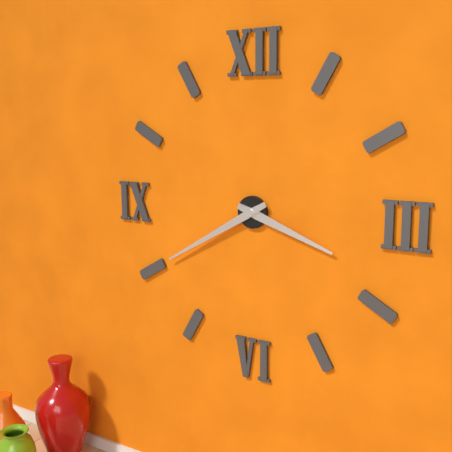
3:40
